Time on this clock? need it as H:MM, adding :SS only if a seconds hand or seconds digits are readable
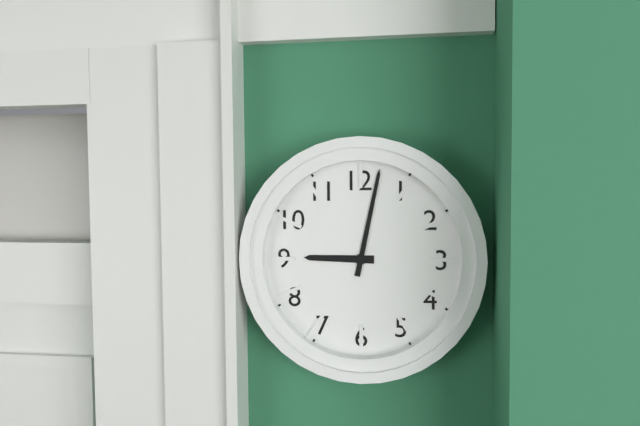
9:02
